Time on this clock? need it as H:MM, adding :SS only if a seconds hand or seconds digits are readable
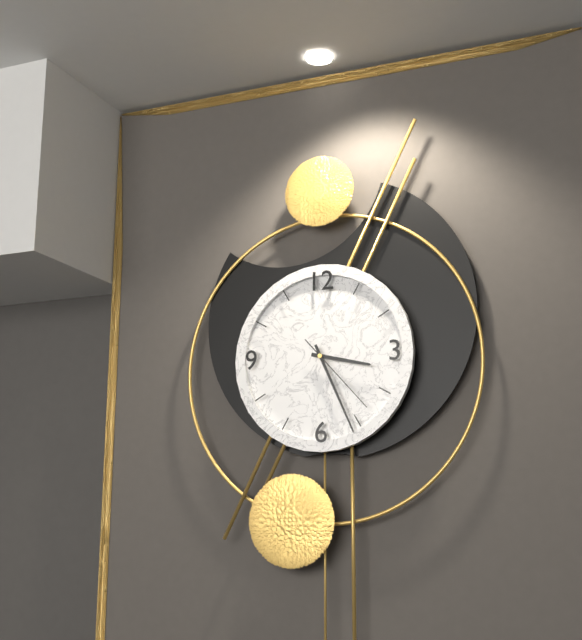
3:26:23
